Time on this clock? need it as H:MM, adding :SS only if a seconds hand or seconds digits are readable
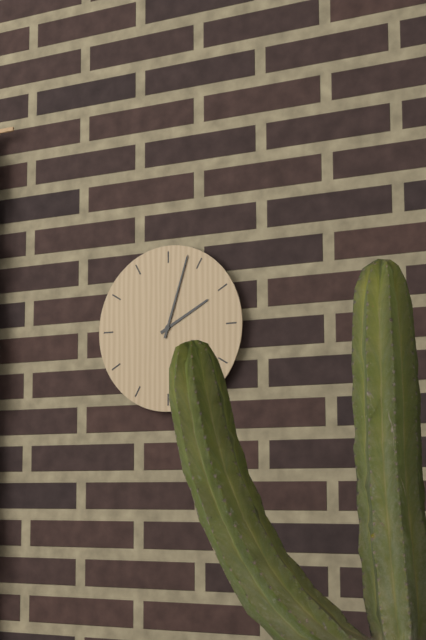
2:03
